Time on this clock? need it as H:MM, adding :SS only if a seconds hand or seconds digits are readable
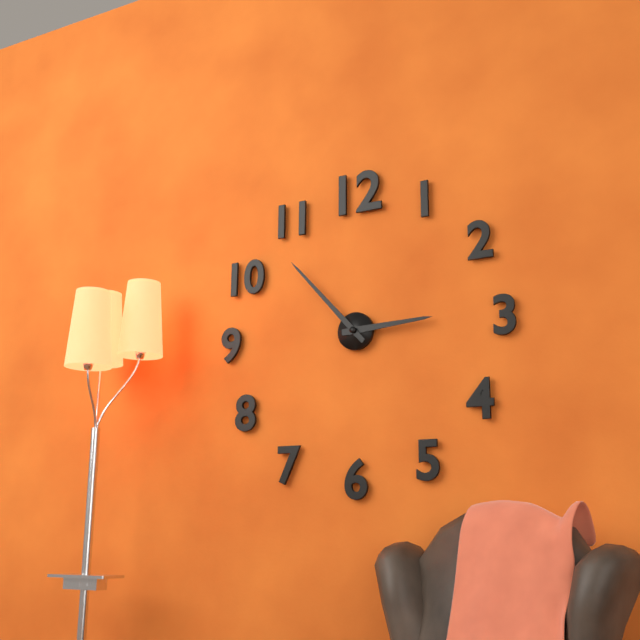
2:53
